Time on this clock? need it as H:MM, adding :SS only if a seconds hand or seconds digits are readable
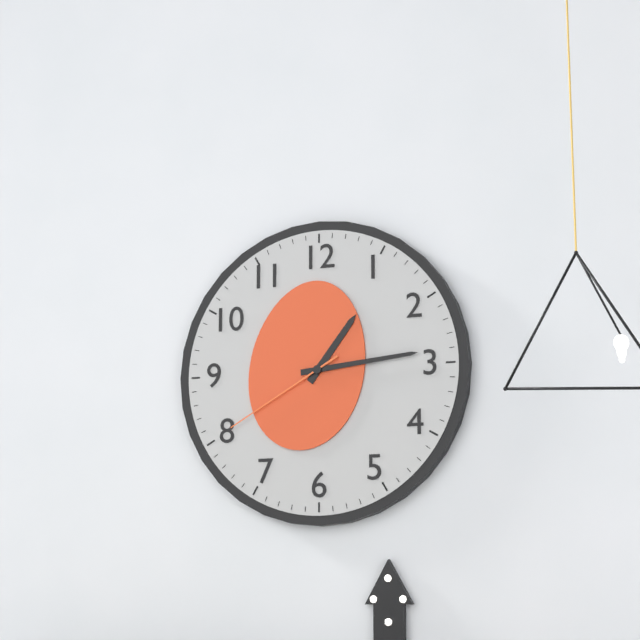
1:14:40
